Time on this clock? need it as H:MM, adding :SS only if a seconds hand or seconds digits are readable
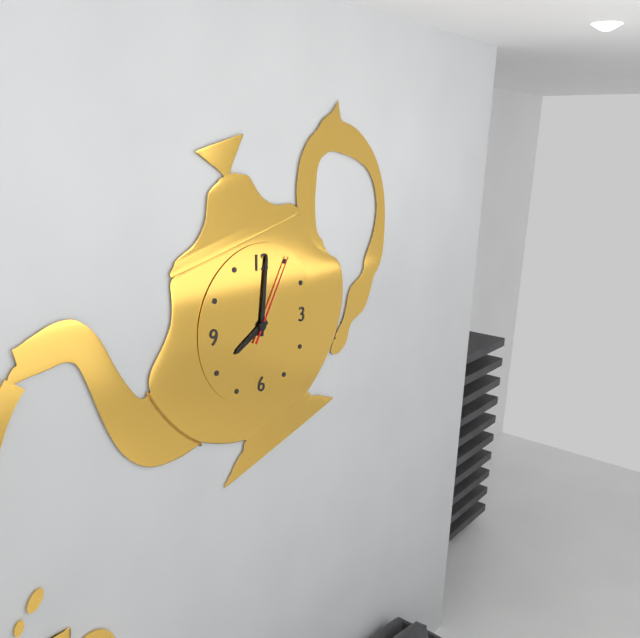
8:01:05
